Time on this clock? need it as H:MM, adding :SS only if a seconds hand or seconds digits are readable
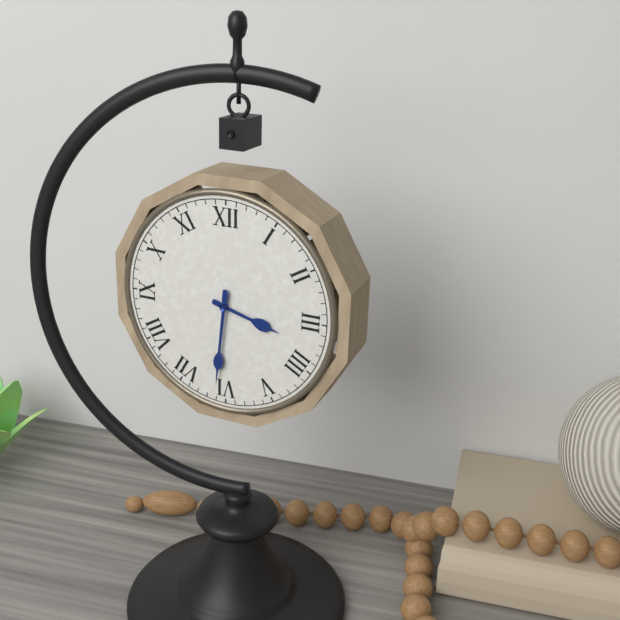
3:31
